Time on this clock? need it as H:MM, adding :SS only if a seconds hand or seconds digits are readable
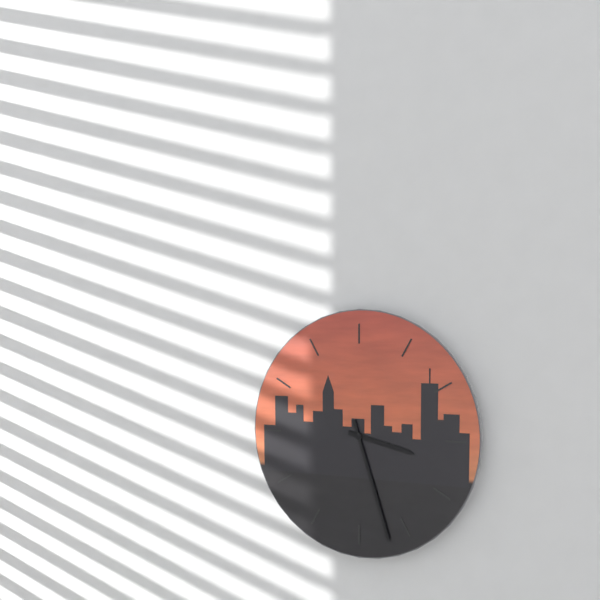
3:27
